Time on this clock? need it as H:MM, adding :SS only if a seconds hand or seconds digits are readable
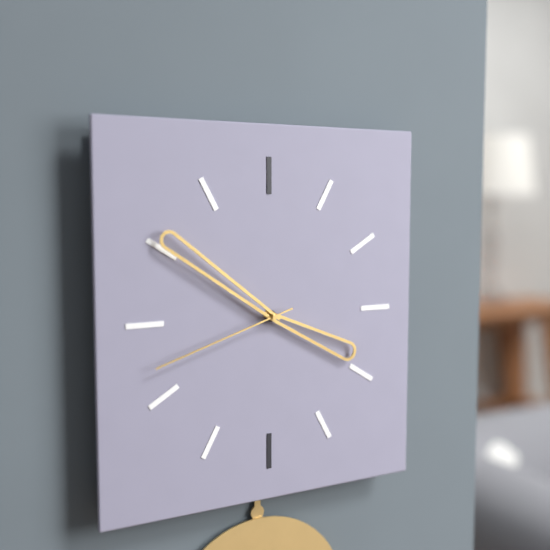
3:51:42
